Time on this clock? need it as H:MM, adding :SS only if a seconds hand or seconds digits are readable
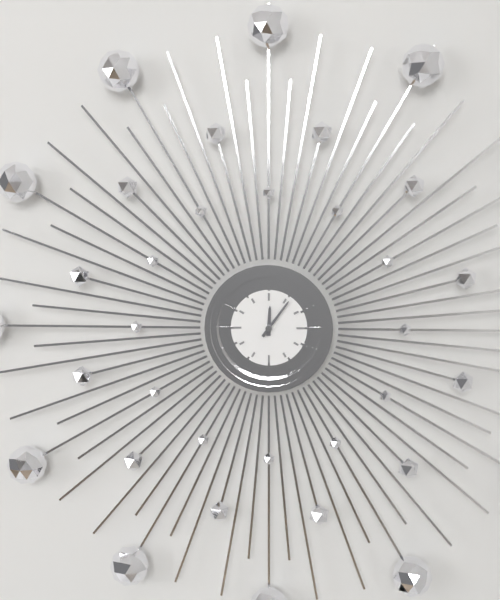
12:06
